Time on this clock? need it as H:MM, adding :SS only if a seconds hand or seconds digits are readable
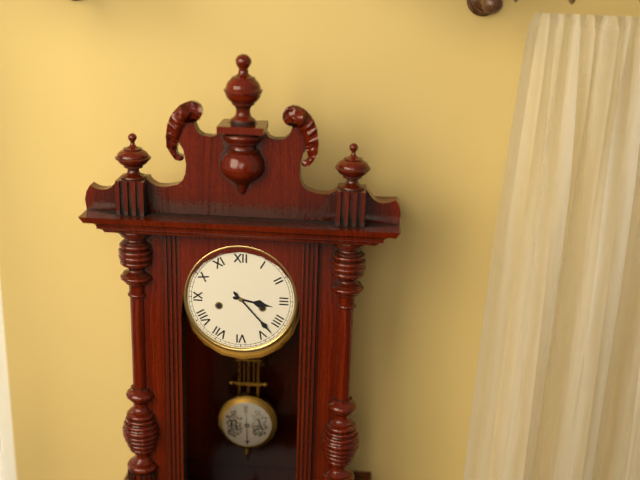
3:23
